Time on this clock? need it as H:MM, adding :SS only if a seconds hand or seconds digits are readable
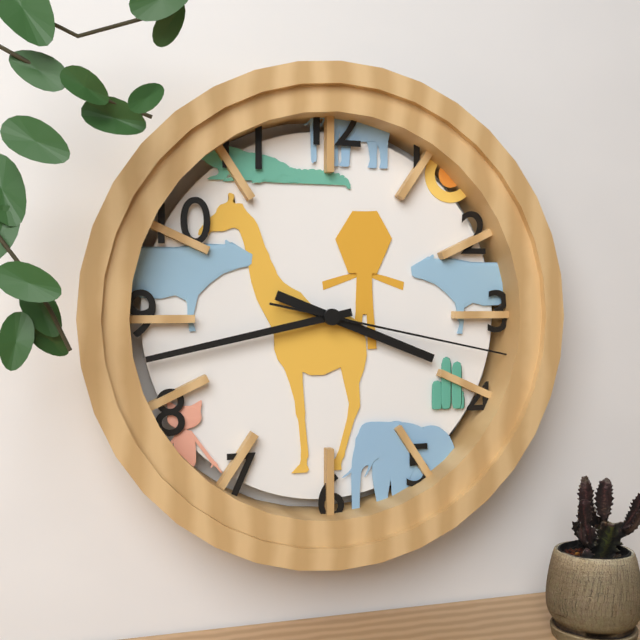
3:43:17
